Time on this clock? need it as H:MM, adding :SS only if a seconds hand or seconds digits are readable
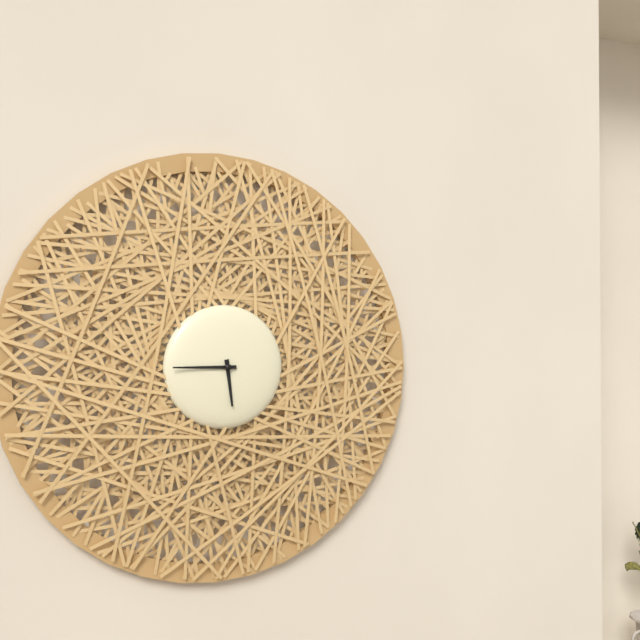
5:45
